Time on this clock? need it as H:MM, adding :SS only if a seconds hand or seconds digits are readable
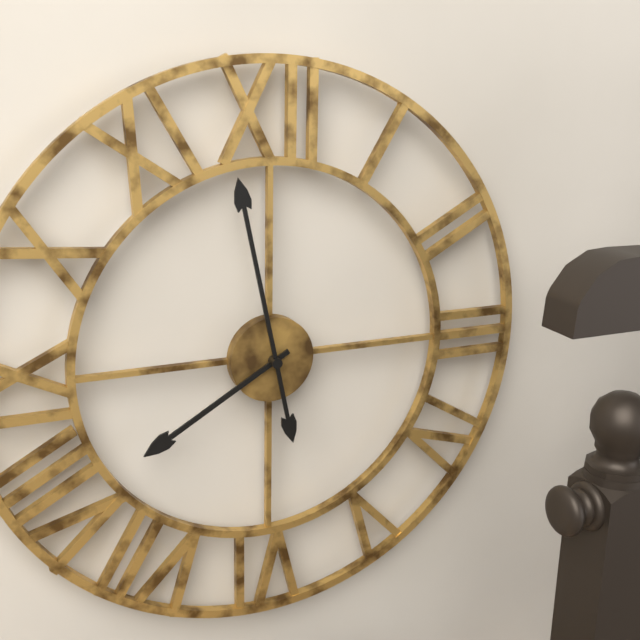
7:58
